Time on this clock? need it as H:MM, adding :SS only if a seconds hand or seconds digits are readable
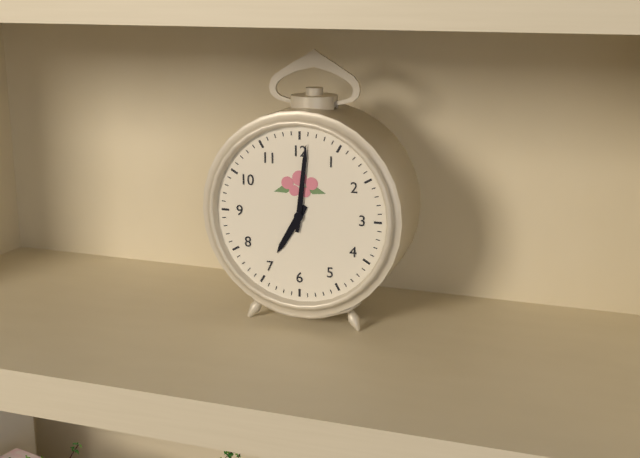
7:01
